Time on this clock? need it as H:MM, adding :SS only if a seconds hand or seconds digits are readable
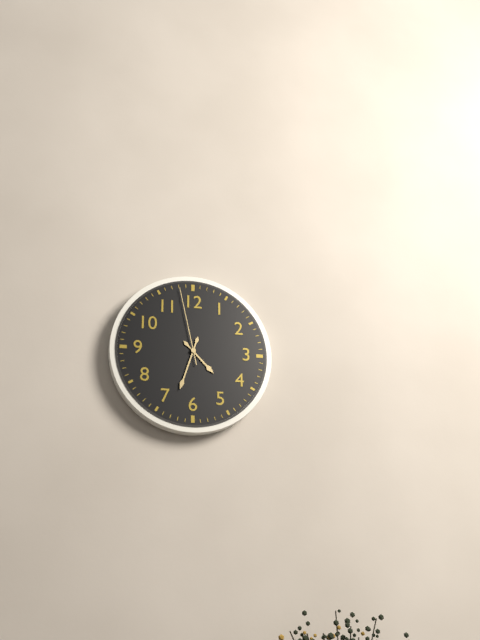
4:33:58
